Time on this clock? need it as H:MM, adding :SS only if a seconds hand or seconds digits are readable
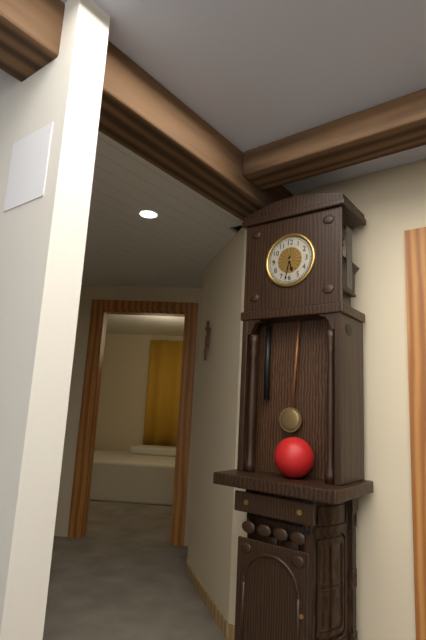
5:32
